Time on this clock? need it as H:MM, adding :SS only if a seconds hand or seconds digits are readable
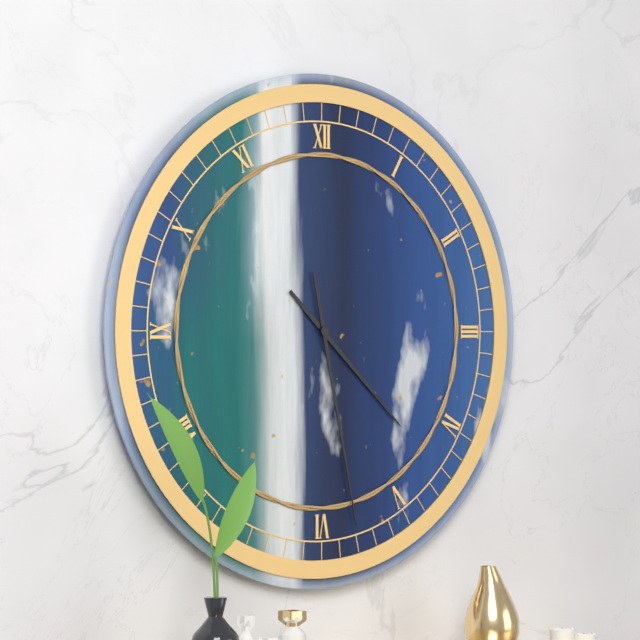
4:28
